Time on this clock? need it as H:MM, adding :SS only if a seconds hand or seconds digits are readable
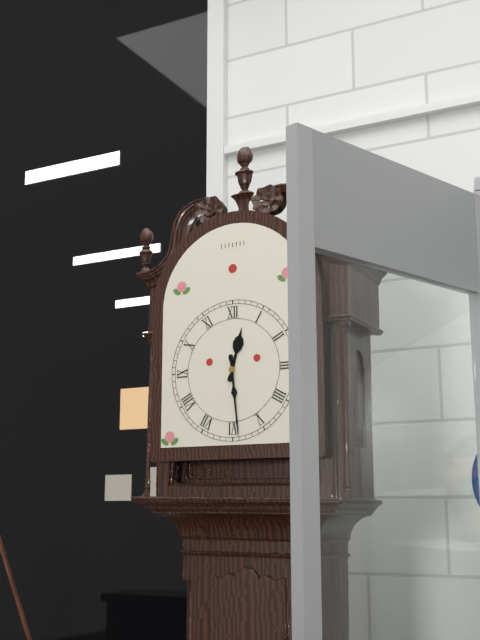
12:29
